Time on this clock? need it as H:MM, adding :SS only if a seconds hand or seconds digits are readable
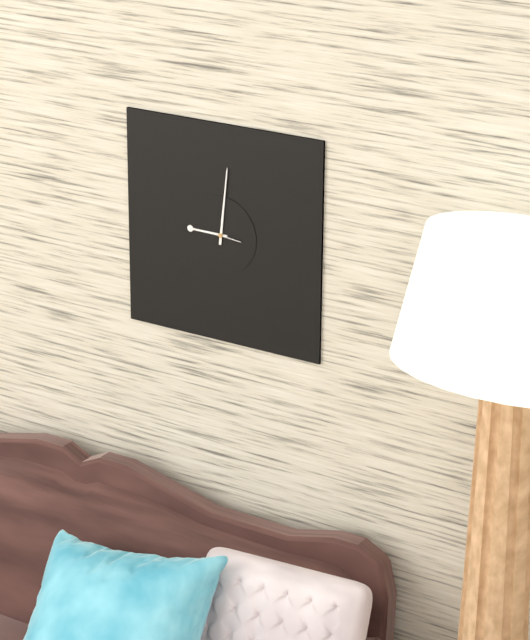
9:01
